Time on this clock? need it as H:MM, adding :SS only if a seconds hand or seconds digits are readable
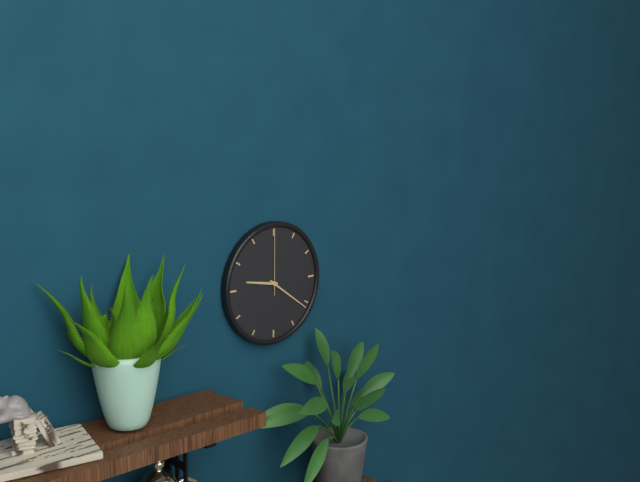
9:21:00
